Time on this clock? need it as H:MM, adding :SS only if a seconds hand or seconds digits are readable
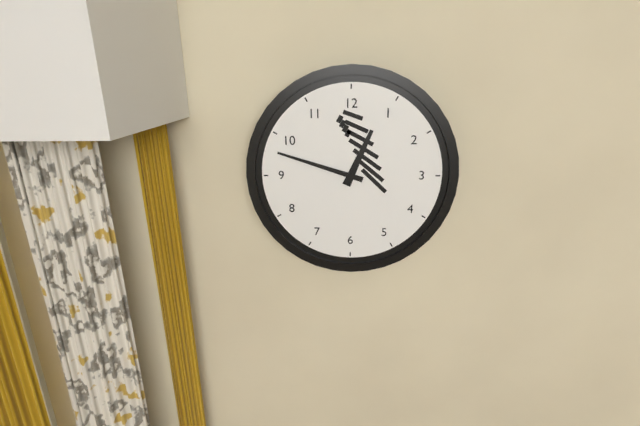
12:48
